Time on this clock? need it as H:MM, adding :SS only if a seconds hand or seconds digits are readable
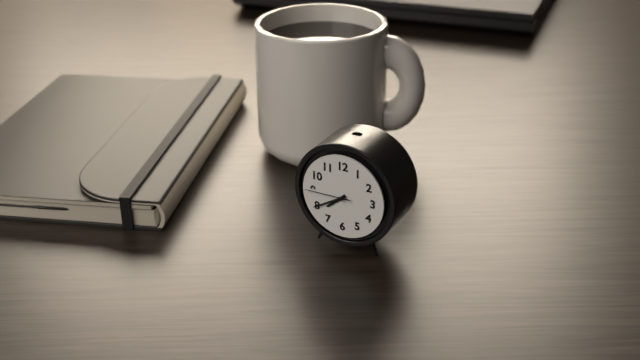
7:40
